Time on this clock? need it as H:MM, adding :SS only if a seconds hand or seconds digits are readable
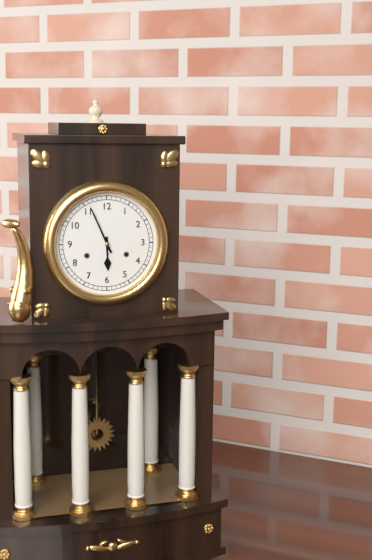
5:56
